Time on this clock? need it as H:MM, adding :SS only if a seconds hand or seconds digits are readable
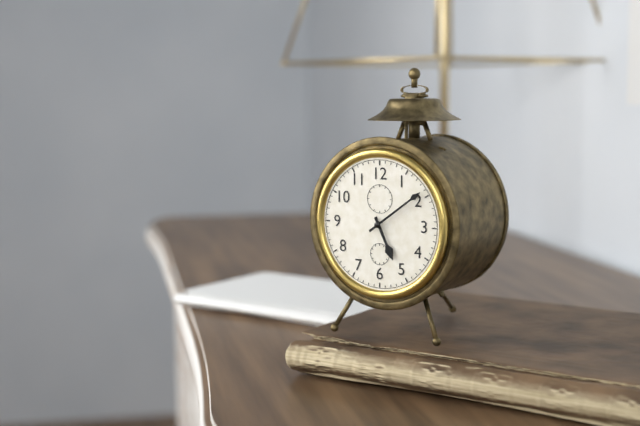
5:09
